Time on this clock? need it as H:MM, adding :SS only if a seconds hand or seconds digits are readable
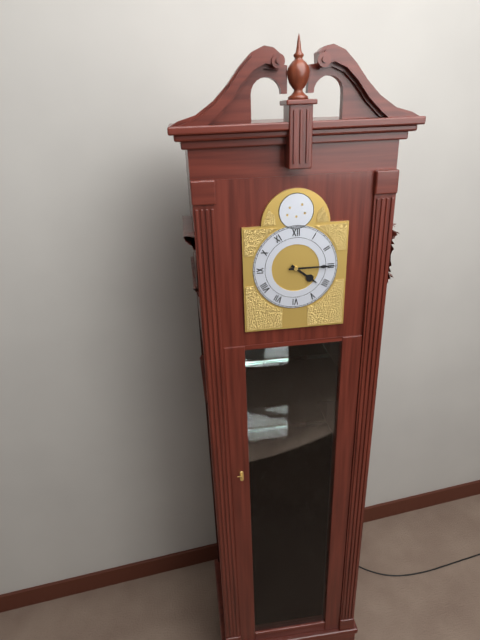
4:15
